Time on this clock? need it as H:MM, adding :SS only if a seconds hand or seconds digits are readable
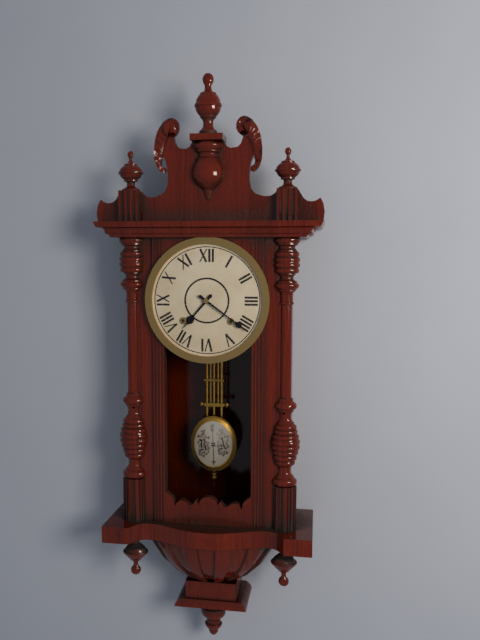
7:21
